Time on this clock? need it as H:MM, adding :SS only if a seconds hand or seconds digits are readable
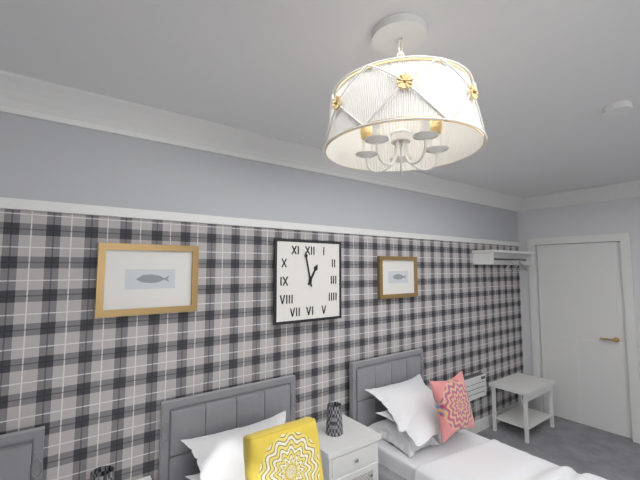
12:58
